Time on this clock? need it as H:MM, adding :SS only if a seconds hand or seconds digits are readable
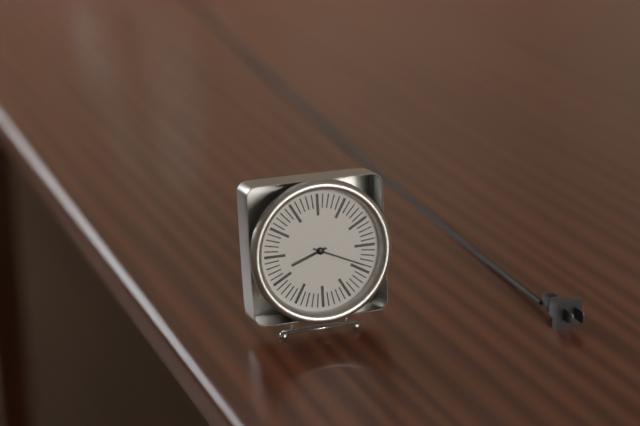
8:19
